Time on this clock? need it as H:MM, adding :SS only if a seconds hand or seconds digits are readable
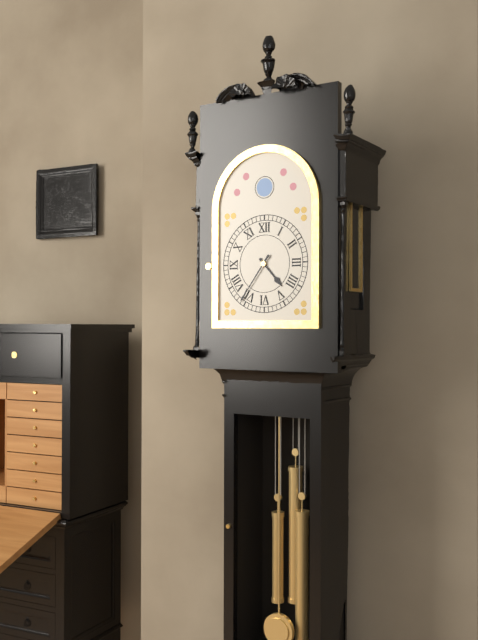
4:36
